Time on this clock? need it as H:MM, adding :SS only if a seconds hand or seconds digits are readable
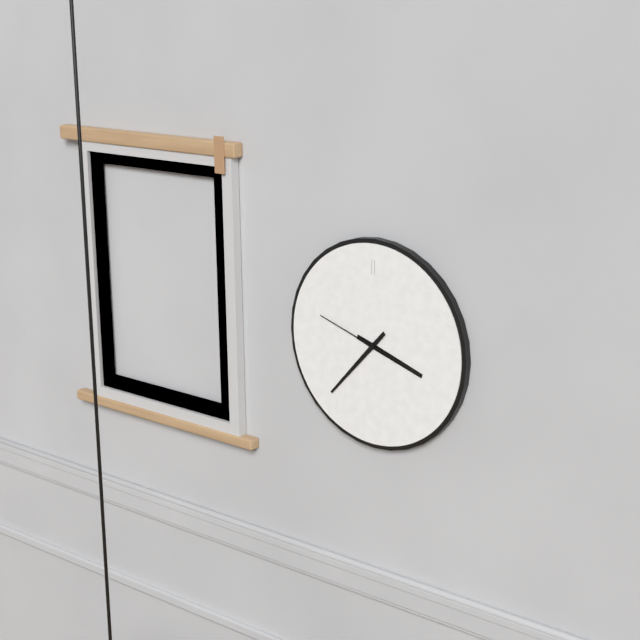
3:37:48
